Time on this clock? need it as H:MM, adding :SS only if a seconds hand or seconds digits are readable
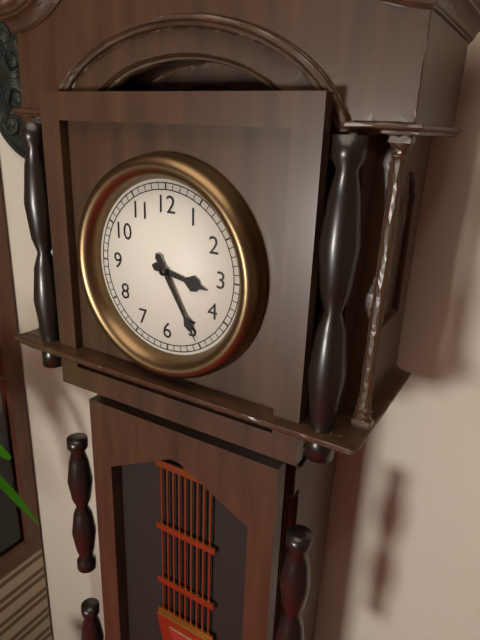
3:25
